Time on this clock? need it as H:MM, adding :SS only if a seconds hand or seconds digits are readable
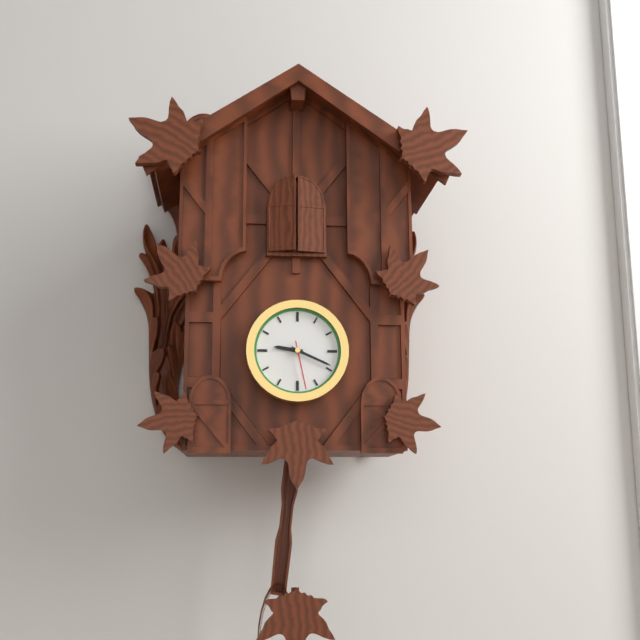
9:19
